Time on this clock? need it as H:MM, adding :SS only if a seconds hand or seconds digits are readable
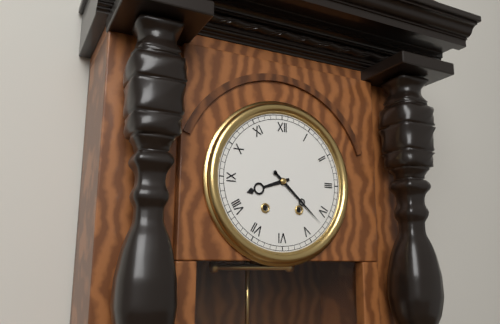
8:22
